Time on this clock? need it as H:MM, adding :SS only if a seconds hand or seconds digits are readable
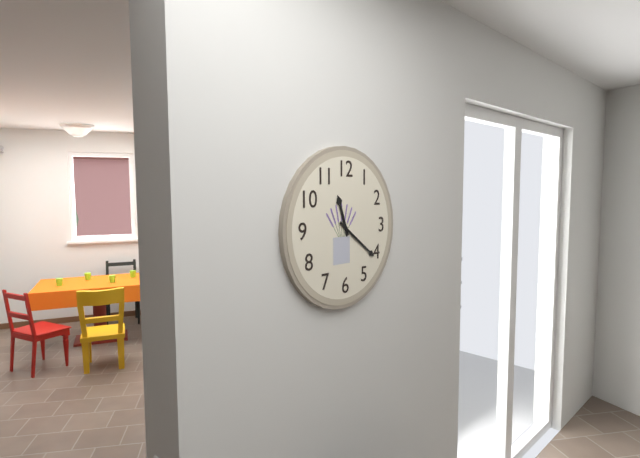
11:21
